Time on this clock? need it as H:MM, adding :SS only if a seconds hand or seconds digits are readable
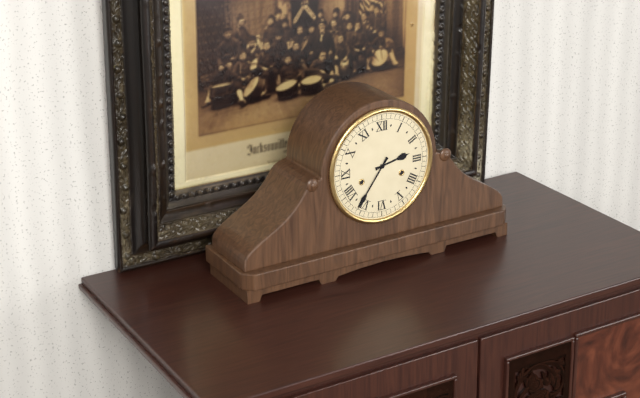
2:36
